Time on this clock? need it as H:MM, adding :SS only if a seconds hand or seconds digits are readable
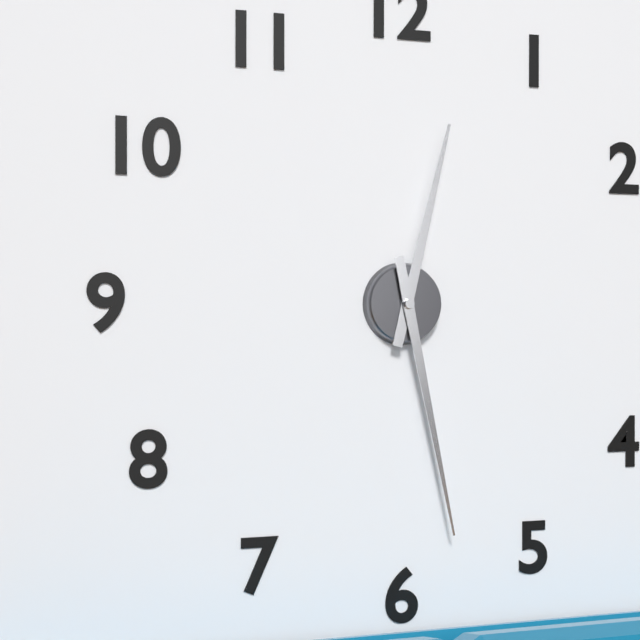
12:28
